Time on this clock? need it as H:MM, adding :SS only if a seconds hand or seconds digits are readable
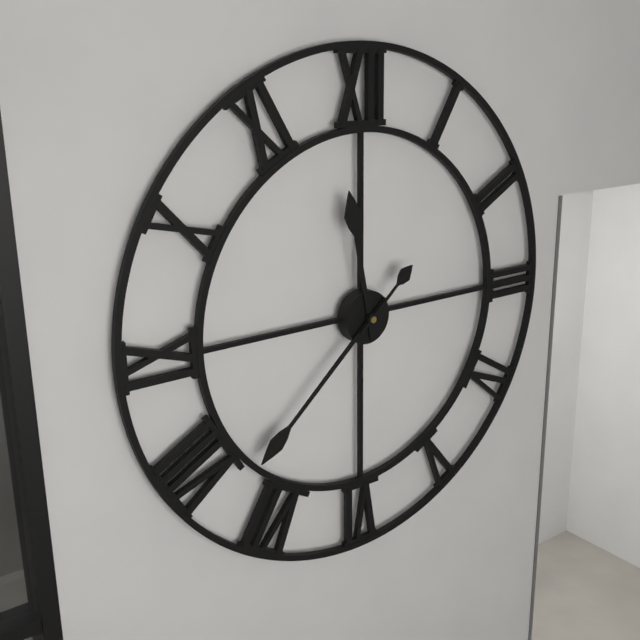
11:38:08
